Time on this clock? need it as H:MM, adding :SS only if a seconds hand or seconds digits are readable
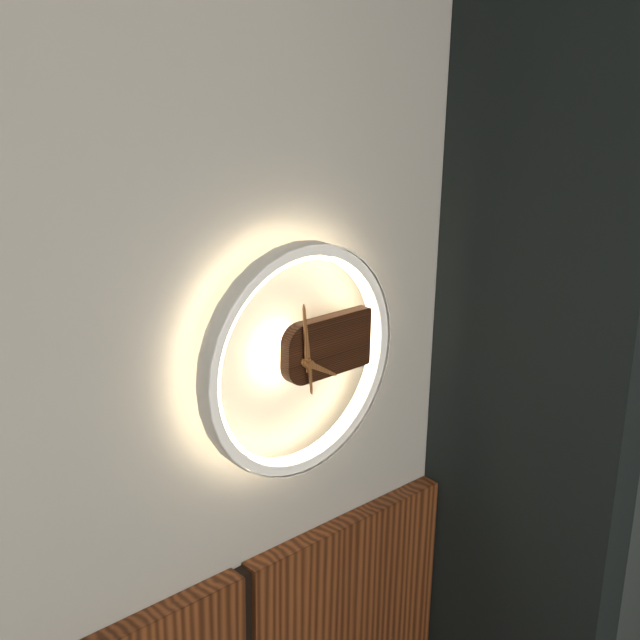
3:59:29
